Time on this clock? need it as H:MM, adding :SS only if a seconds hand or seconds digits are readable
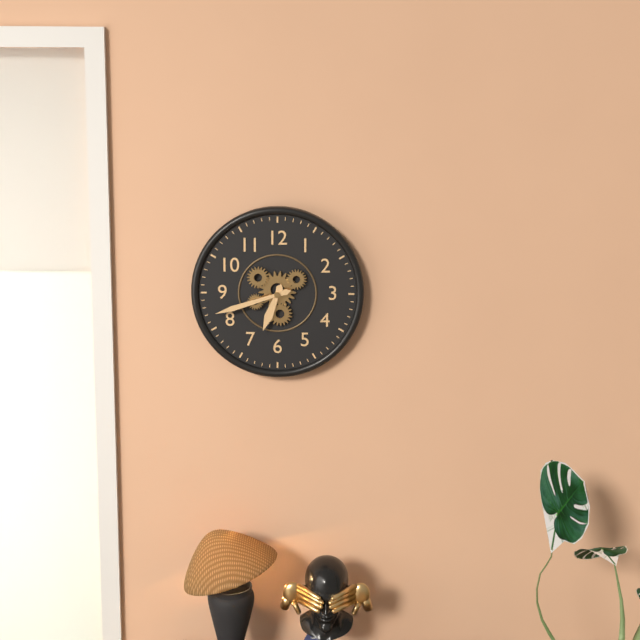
6:42
